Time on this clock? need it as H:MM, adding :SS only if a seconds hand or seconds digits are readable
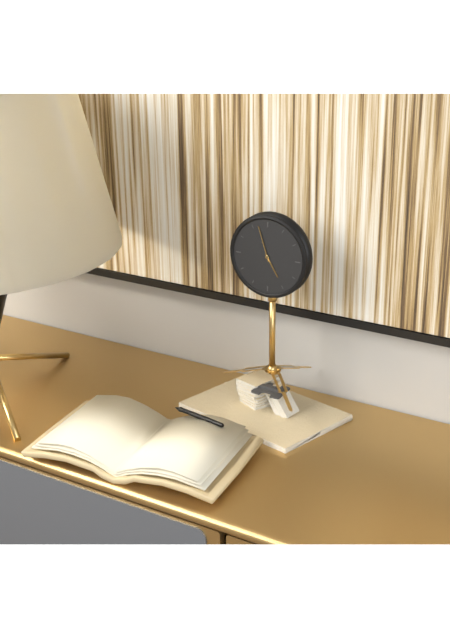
4:57
